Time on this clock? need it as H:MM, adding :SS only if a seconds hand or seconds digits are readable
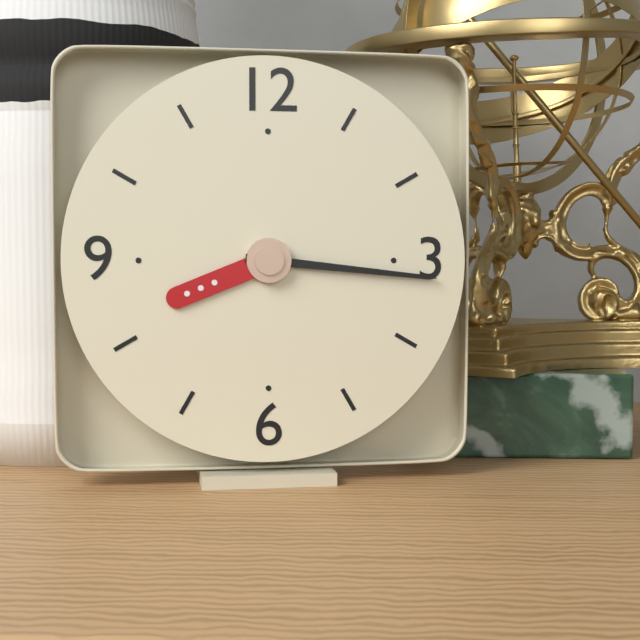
8:16
